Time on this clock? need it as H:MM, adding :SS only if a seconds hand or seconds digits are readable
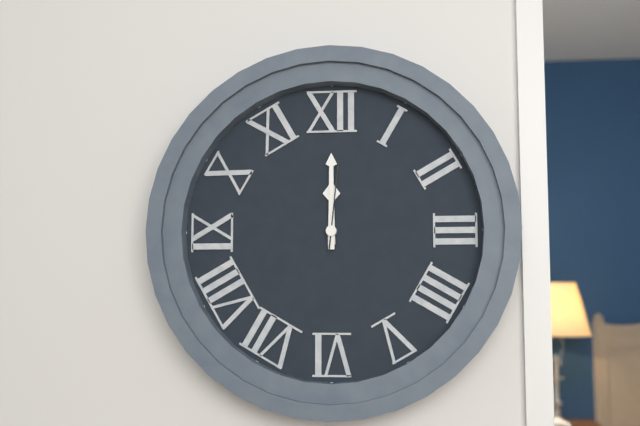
12:00:01
